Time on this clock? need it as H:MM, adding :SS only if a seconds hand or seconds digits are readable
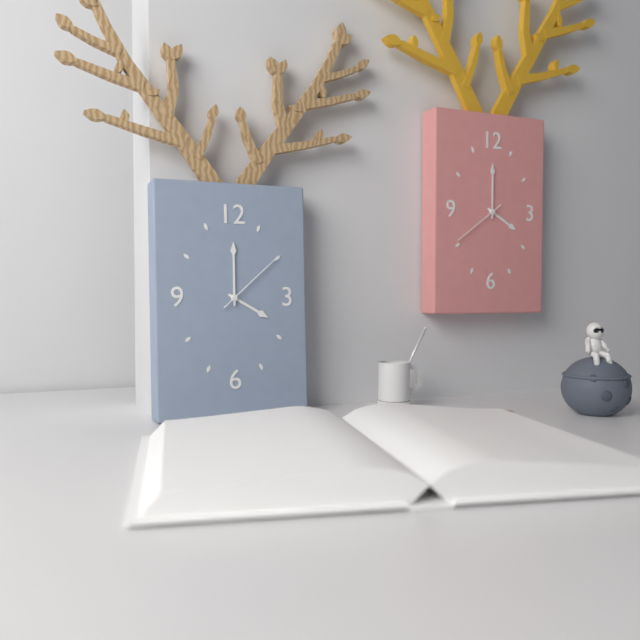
4:00:08
